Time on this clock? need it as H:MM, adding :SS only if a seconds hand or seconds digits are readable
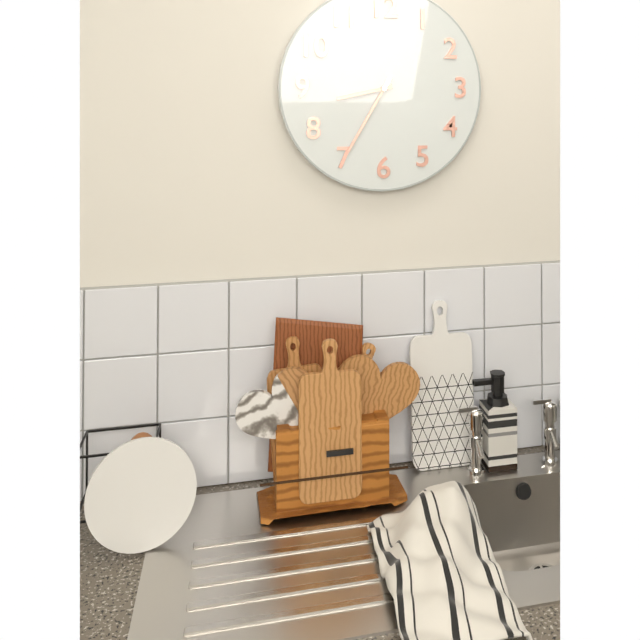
8:35
